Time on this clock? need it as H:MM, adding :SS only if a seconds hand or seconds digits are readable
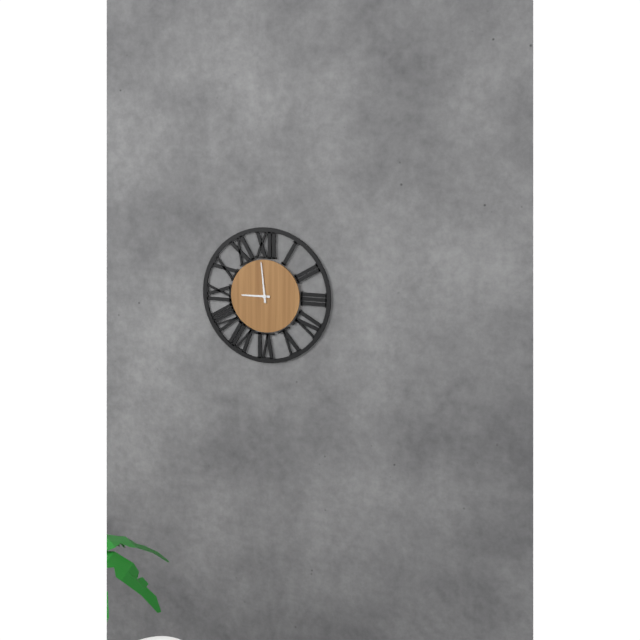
8:59
